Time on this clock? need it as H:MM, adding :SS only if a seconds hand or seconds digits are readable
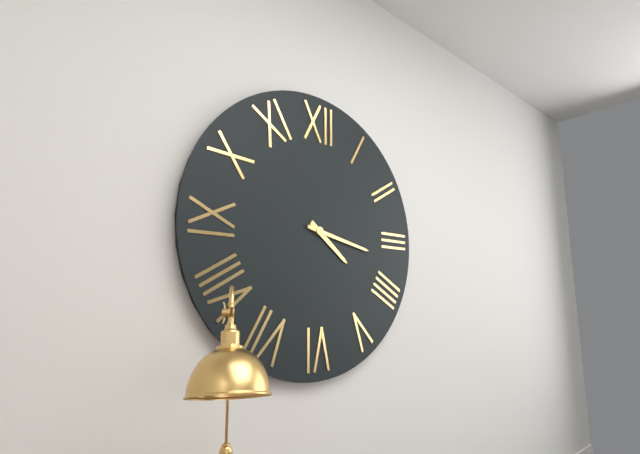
4:17
